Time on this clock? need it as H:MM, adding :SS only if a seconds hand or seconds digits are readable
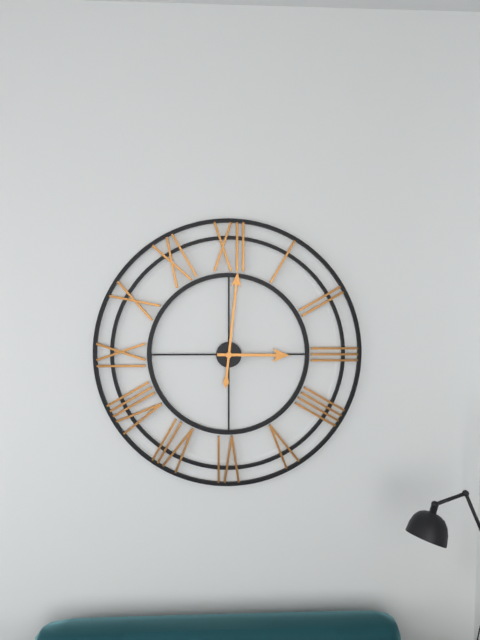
3:01
